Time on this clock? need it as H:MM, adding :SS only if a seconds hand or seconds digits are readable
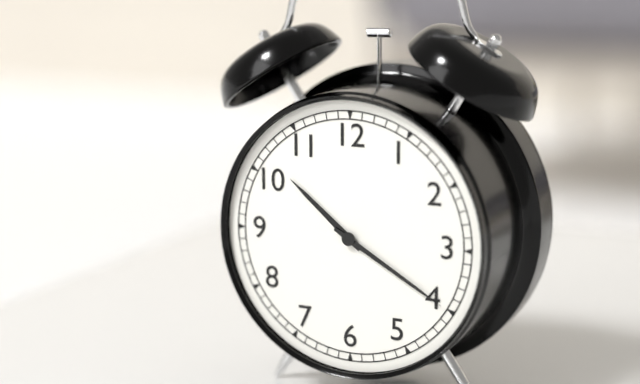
10:20
